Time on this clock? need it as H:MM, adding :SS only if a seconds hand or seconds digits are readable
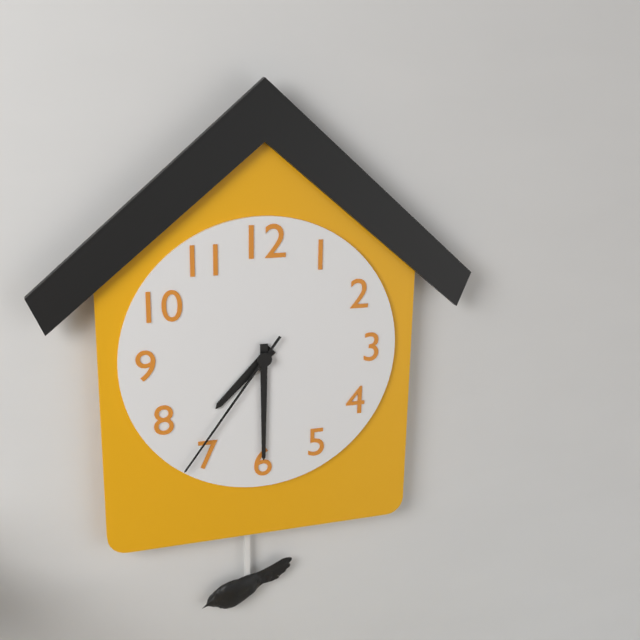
7:30:36
